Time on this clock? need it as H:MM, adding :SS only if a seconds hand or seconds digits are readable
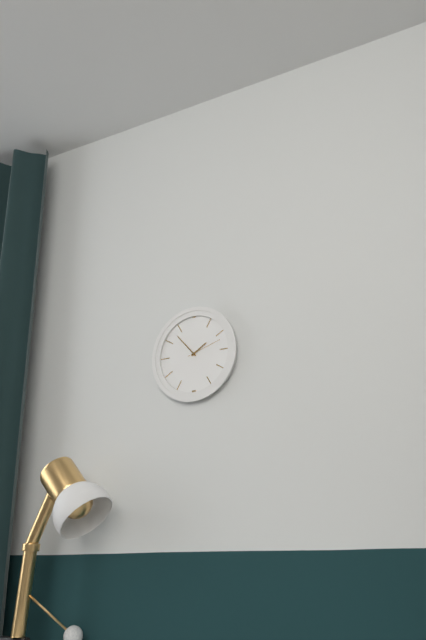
1:53
